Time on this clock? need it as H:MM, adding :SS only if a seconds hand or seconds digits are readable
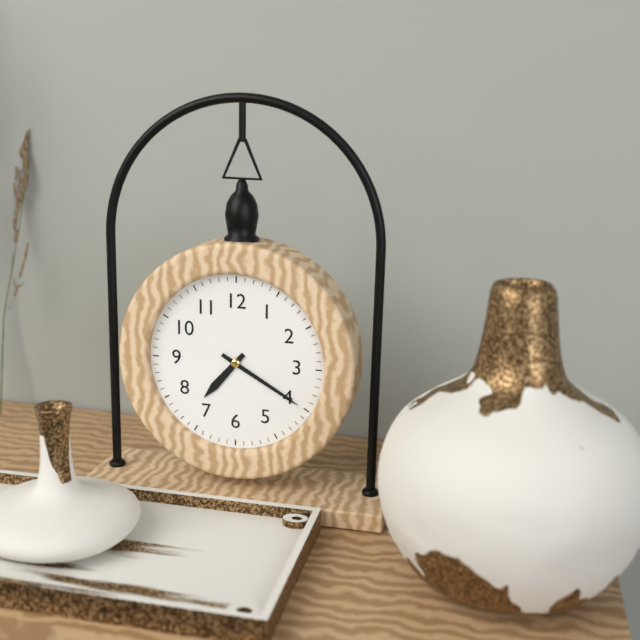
7:20
